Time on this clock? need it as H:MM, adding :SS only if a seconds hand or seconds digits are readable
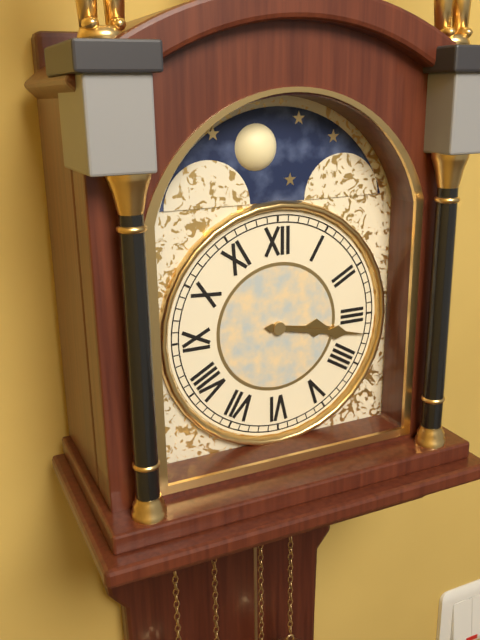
3:17
